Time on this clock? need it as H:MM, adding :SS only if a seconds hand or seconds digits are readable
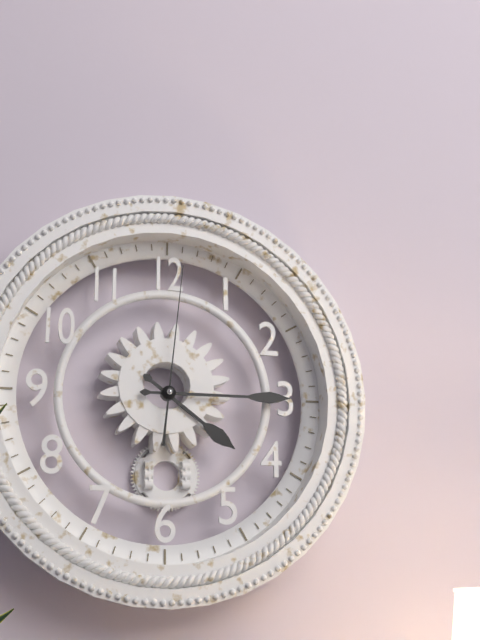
4:15:01
